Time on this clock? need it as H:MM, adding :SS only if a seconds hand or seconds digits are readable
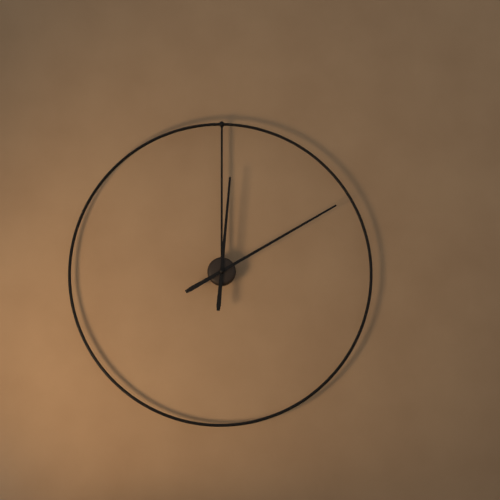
12:10
